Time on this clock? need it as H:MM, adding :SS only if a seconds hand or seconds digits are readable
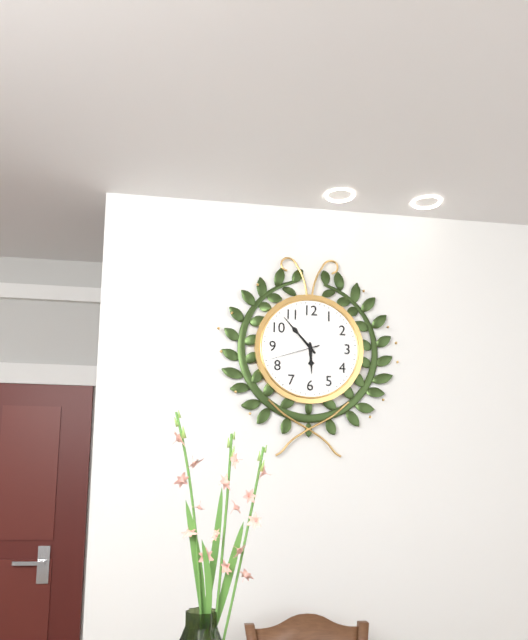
5:53:42
